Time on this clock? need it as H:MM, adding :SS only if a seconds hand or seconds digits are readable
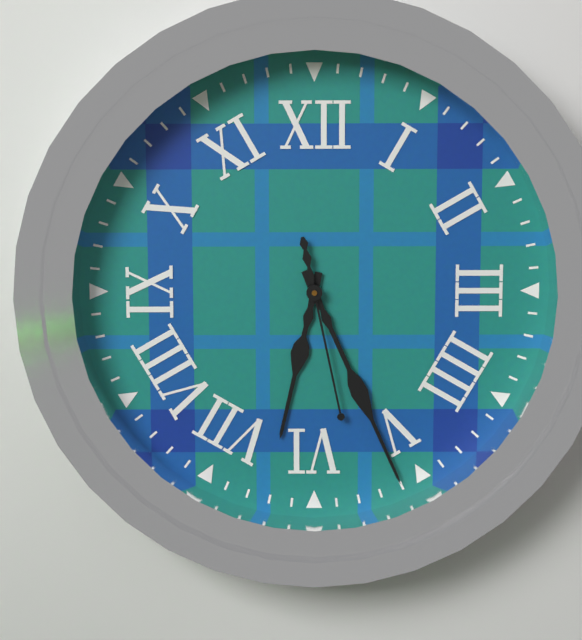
6:26:28
